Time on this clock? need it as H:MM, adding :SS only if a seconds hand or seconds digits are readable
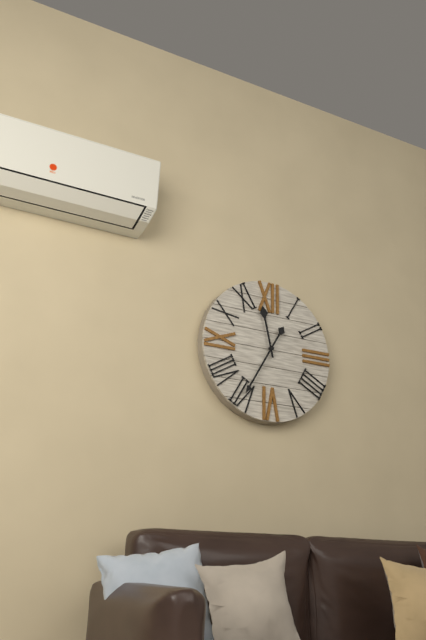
11:35
